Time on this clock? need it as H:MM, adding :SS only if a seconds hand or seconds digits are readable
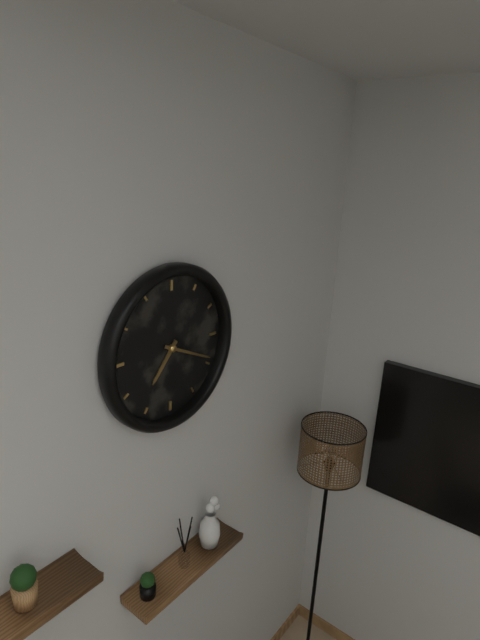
7:19
